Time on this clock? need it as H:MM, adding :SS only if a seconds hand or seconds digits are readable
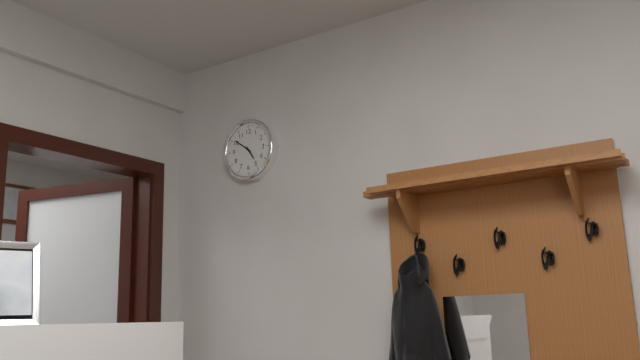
4:51
